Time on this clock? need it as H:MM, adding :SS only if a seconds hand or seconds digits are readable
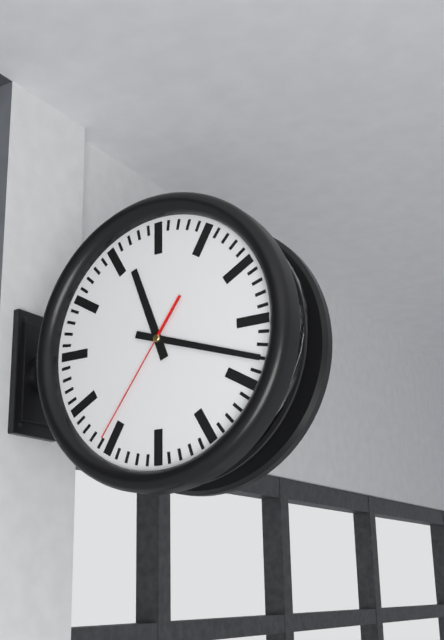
11:18:36
